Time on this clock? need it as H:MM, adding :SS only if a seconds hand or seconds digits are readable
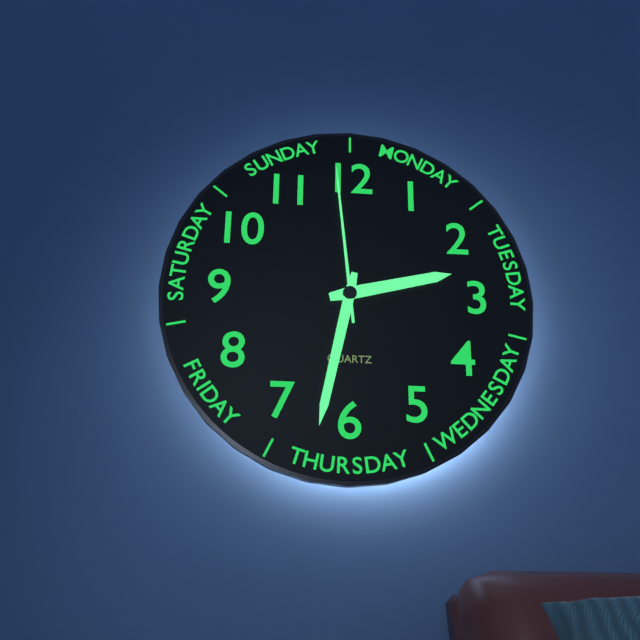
2:32:59
